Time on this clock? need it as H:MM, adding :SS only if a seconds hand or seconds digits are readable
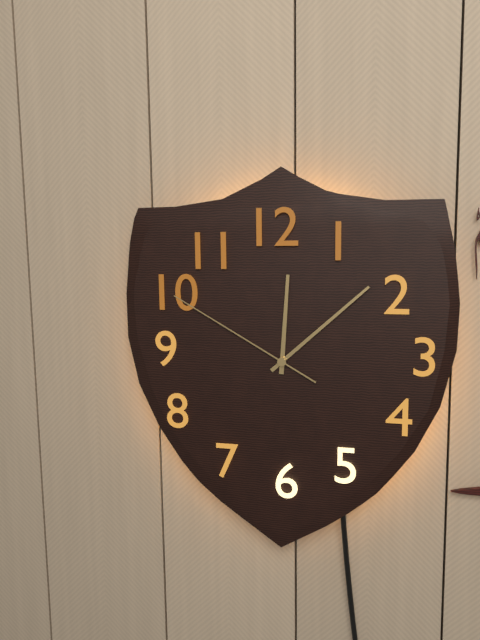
12:08:50
